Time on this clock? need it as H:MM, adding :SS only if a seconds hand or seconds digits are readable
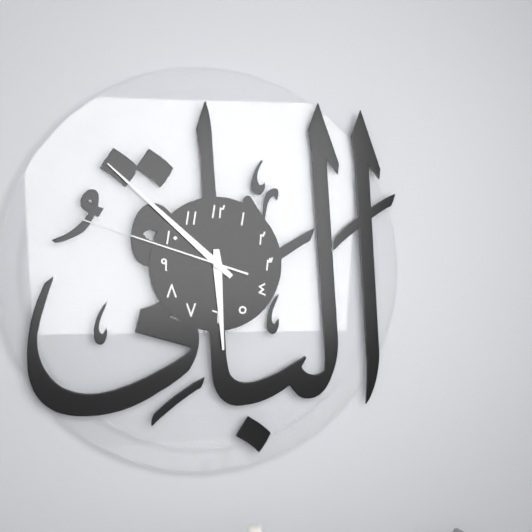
5:52:48
